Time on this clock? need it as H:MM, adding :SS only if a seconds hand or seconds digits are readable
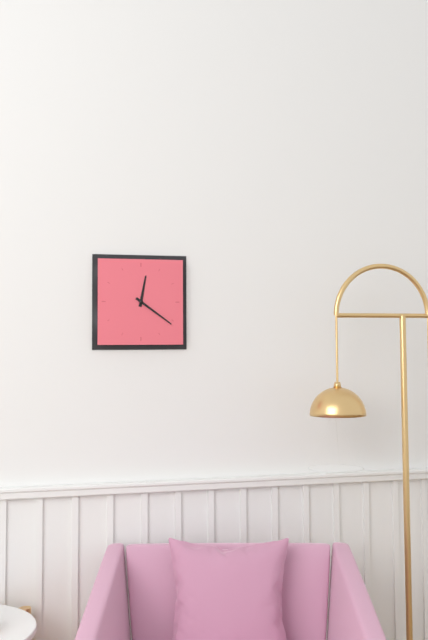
12:21
